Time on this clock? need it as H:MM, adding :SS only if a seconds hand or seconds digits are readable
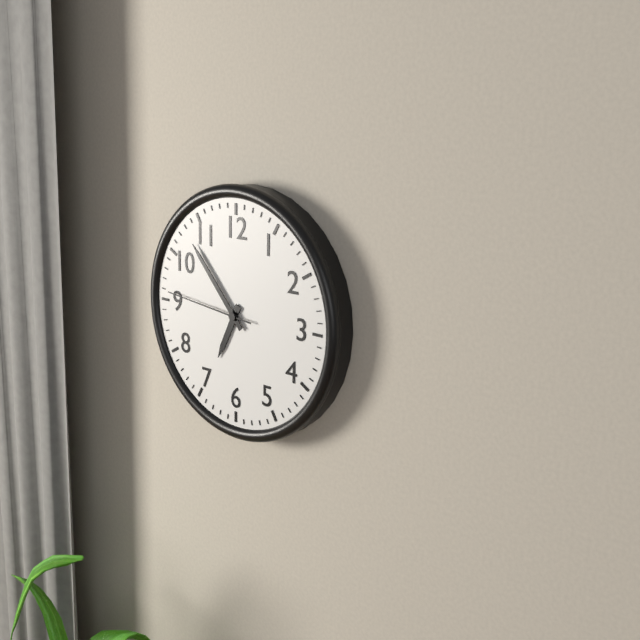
6:53:46
